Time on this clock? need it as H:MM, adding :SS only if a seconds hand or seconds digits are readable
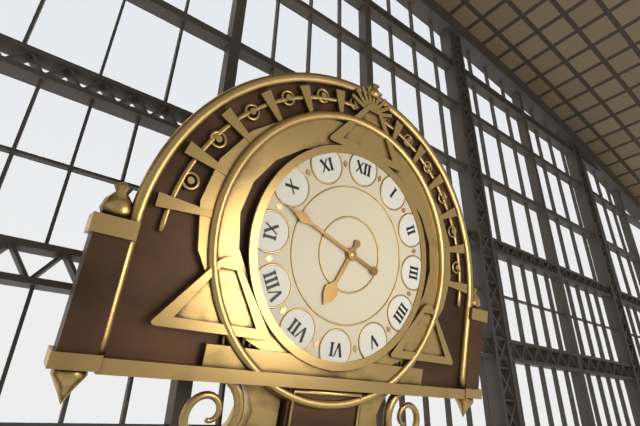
6:48
